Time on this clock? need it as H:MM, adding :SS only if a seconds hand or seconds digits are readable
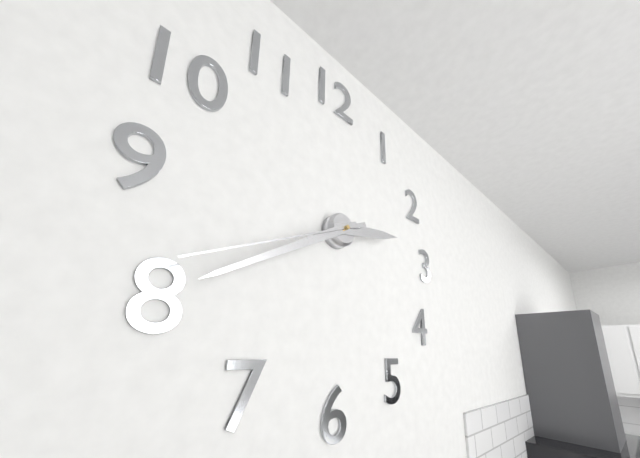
2:40:41
